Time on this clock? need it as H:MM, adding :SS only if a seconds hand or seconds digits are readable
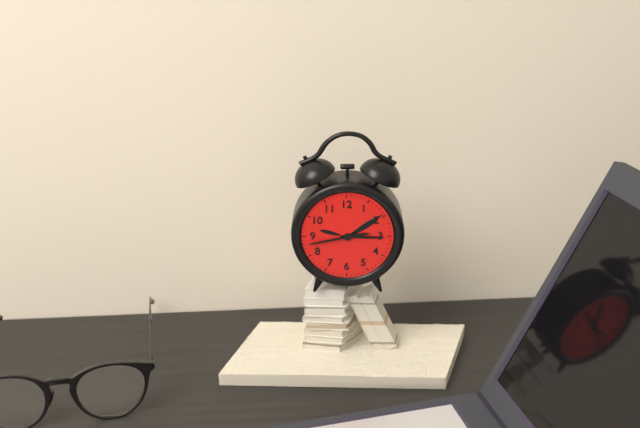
2:43
